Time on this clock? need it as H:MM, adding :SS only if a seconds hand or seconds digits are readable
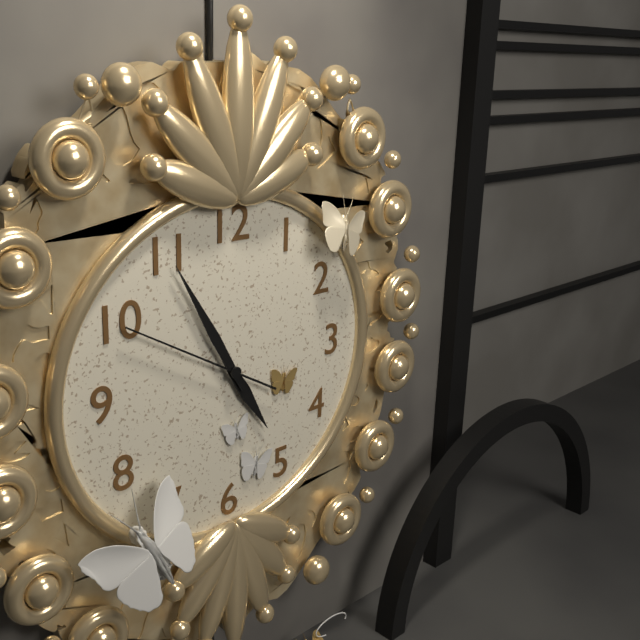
4:55:50
